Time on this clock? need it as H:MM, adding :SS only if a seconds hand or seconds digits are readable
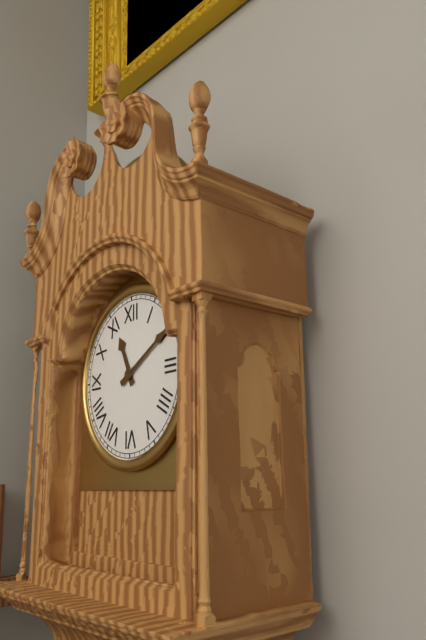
11:10
